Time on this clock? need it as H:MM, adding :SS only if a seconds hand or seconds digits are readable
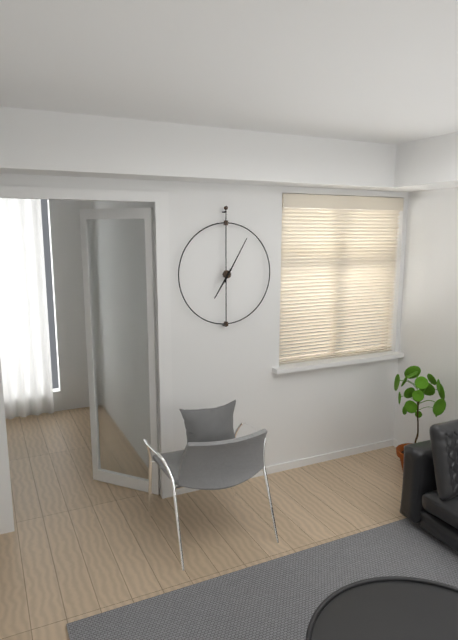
7:05
